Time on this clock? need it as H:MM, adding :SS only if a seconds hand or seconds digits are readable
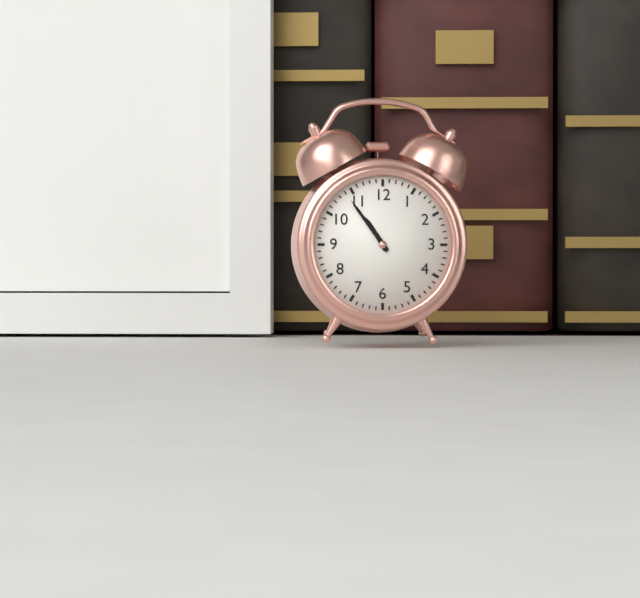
10:54
